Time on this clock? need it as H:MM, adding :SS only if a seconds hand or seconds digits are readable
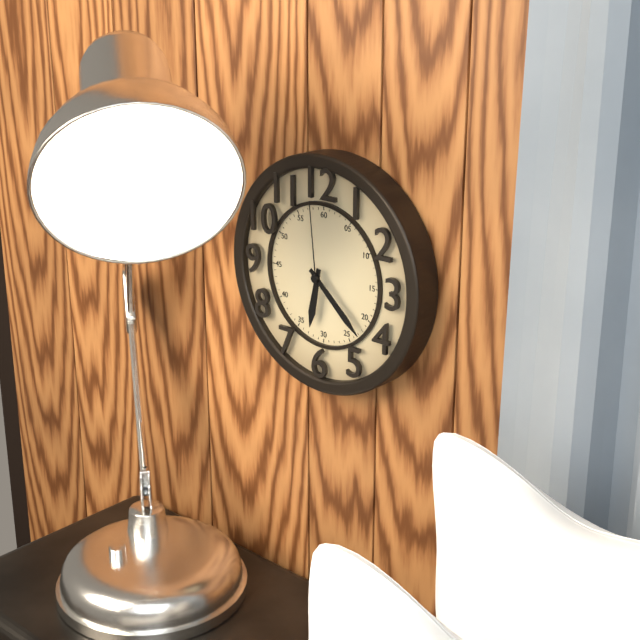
6:22:59
